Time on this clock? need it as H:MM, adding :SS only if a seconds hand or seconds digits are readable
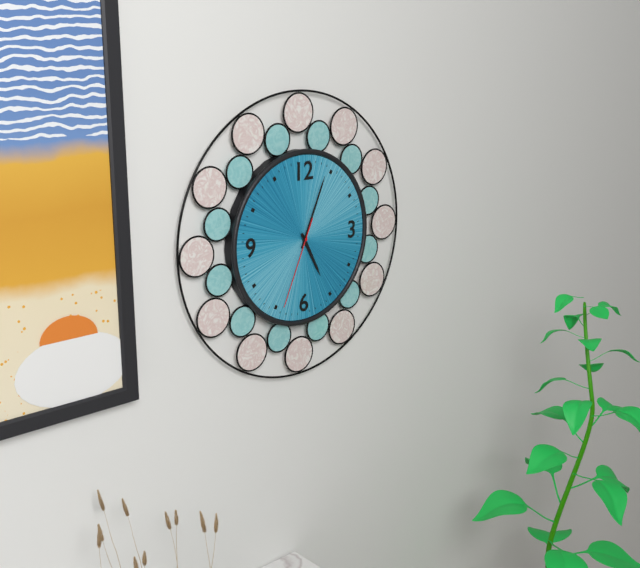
5:04:34
